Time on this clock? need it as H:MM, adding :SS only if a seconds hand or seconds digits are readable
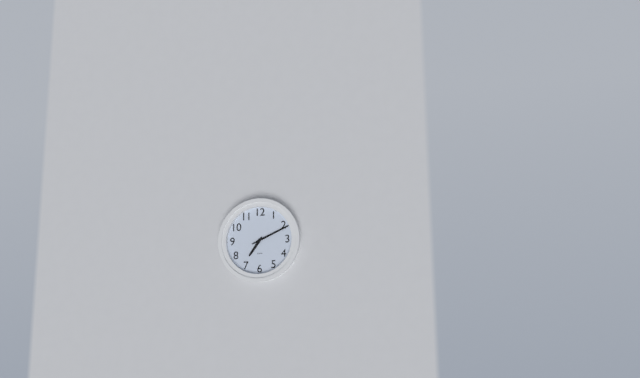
7:11
